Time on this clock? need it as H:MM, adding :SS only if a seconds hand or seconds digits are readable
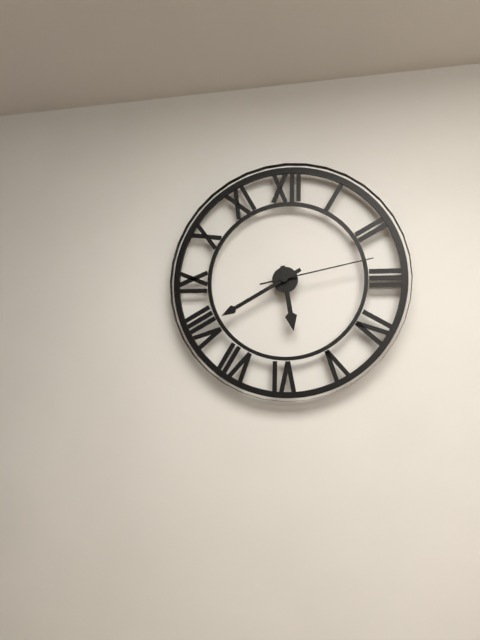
5:40:13
